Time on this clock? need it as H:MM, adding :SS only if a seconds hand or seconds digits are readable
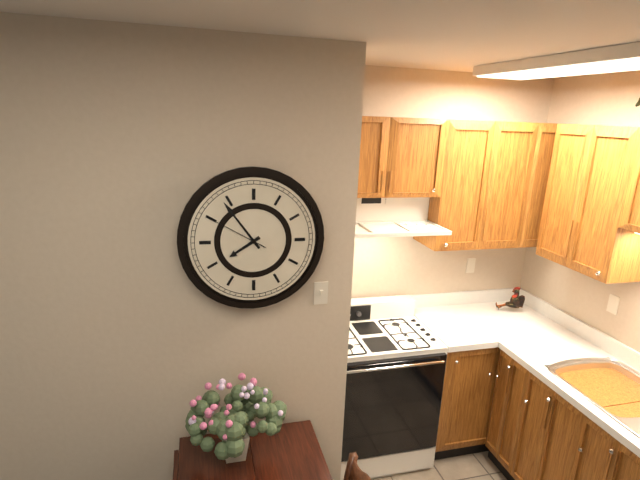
7:54:50
